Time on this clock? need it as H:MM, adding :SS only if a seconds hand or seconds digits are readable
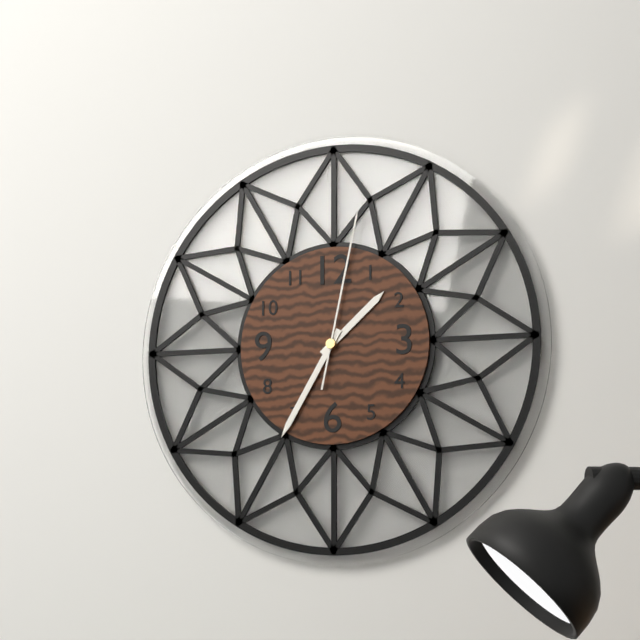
1:35:02
